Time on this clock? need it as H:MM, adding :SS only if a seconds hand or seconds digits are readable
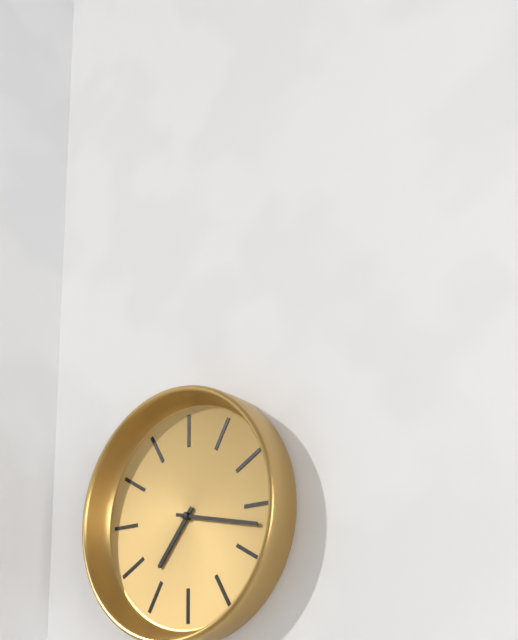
7:17
